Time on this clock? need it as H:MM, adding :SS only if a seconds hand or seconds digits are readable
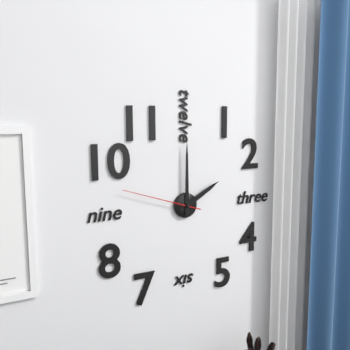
2:00:48
